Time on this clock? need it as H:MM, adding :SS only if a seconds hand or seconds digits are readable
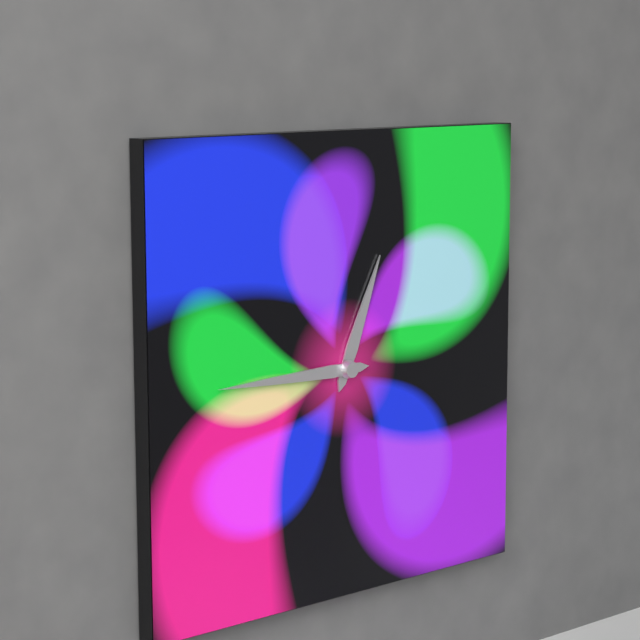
12:45
